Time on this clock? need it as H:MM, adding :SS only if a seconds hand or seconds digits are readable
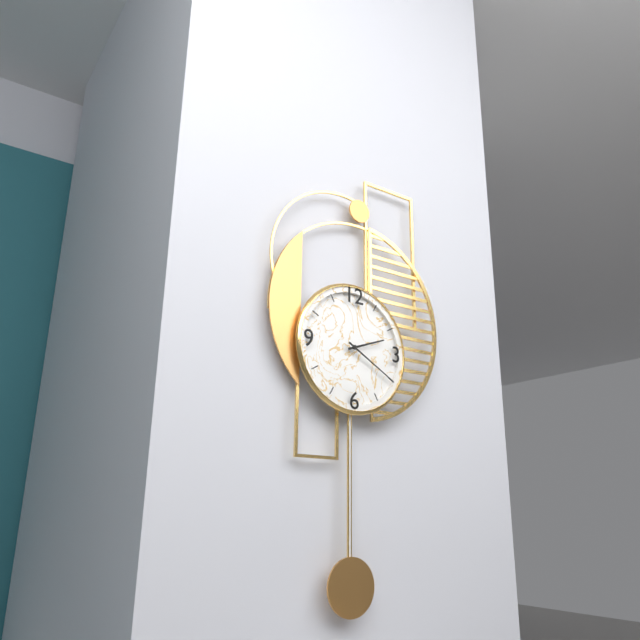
2:20
